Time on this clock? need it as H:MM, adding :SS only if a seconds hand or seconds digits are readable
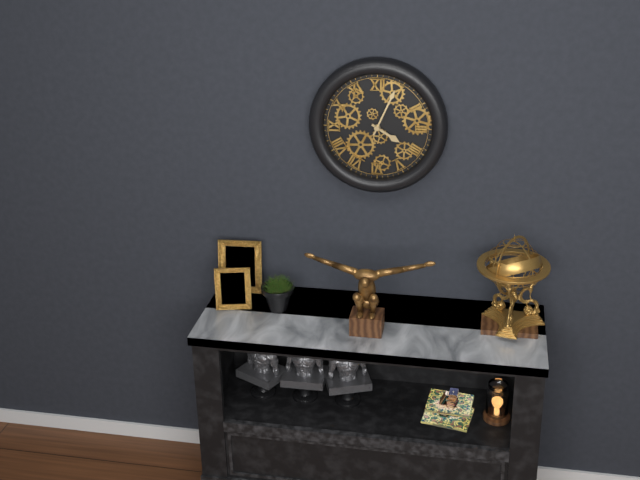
4:04
